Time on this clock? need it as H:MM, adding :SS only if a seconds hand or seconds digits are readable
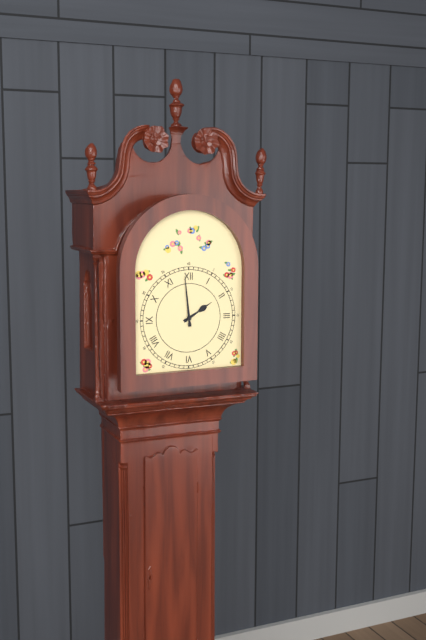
1:59
